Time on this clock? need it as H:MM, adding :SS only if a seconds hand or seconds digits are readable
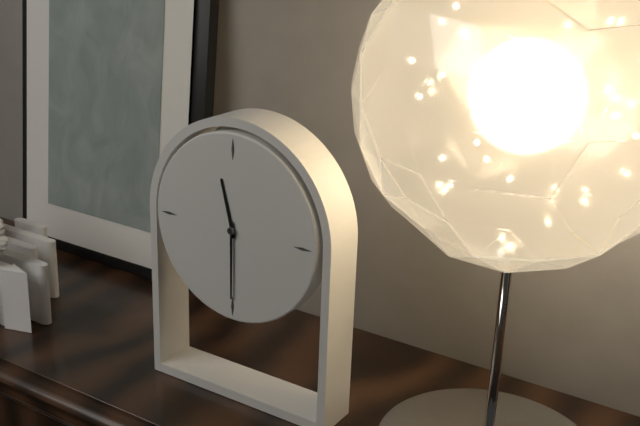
11:30
